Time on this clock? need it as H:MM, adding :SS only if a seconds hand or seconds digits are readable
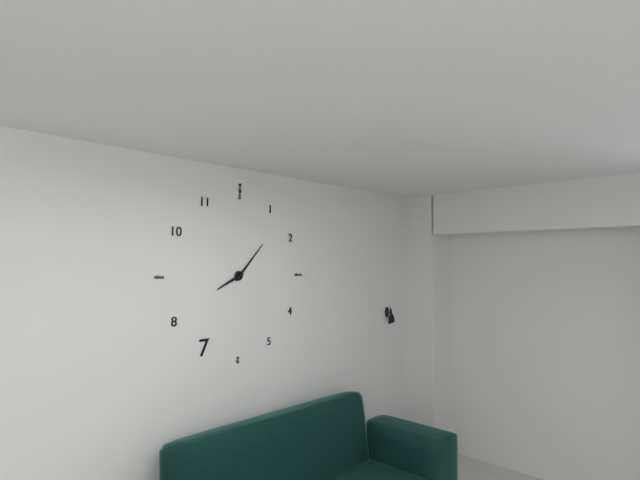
8:07
